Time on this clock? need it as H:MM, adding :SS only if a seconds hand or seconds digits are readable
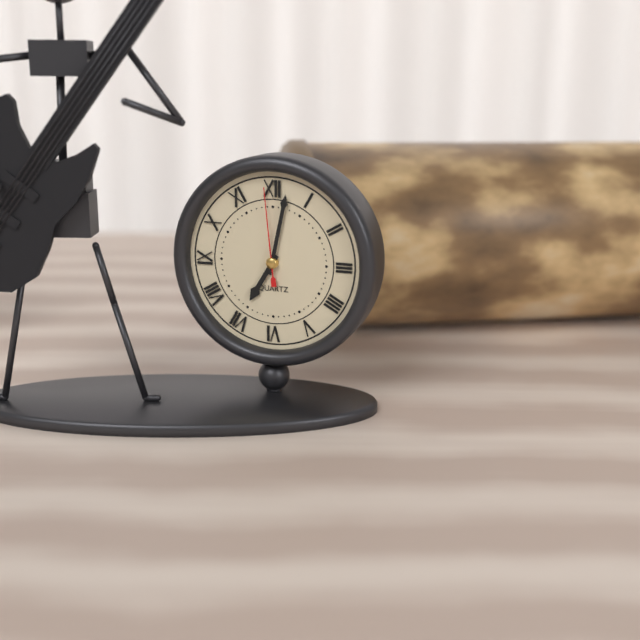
7:02:59
